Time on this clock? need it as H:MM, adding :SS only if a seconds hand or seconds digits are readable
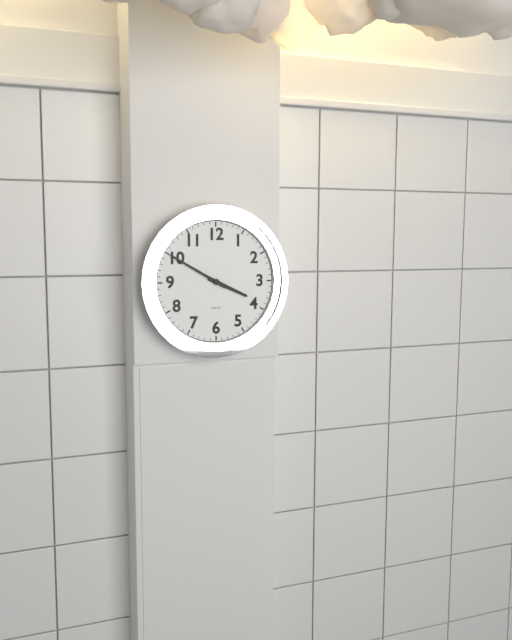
3:50
